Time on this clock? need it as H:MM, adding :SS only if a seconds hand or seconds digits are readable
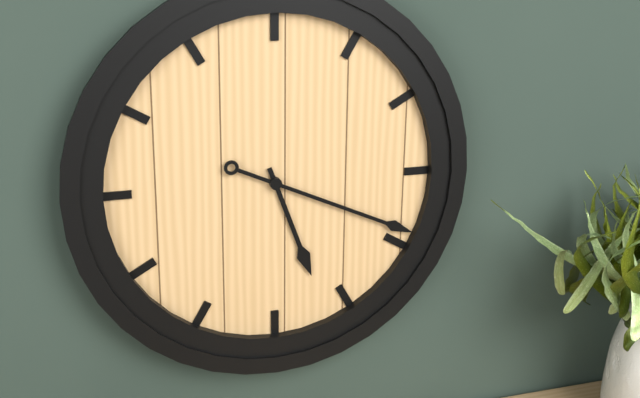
5:19
